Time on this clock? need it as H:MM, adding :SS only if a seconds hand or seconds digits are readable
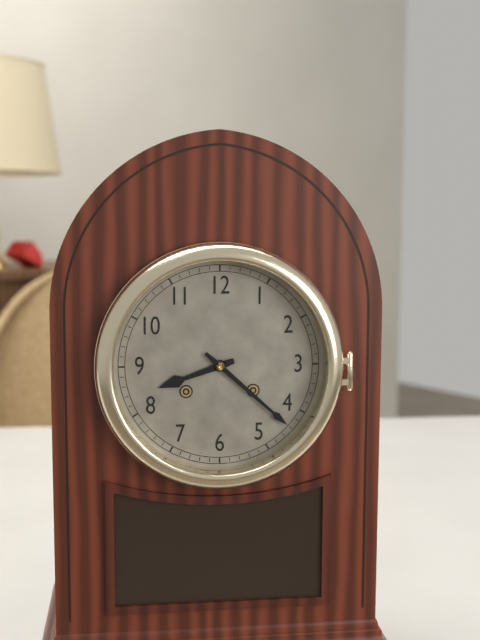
8:22
